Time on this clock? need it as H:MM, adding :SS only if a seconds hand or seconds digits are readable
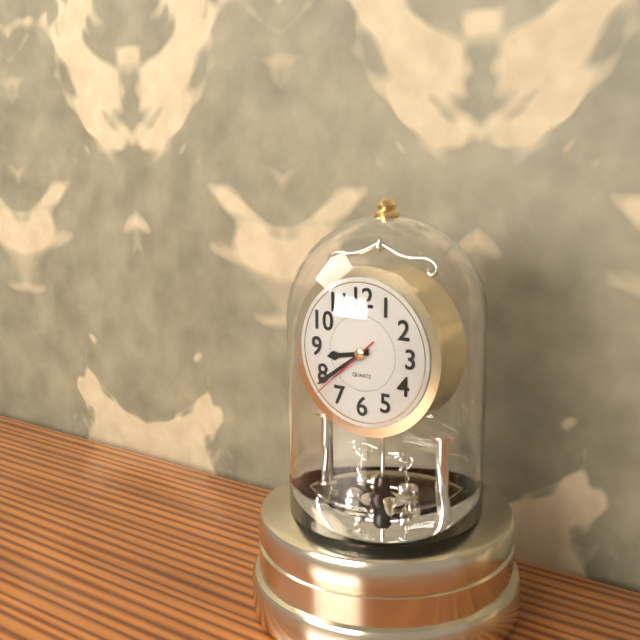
8:39:38
